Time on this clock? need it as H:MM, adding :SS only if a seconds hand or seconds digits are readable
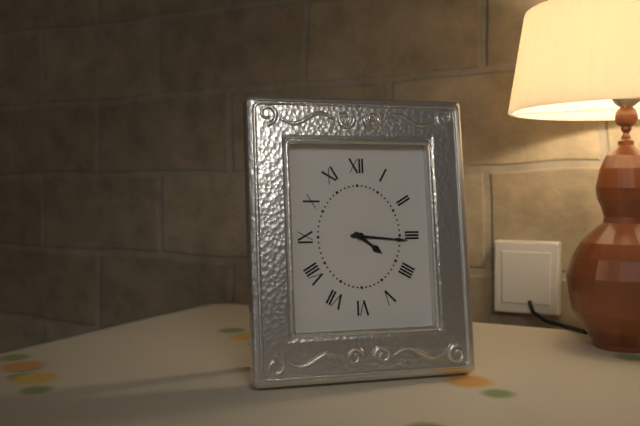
4:16
